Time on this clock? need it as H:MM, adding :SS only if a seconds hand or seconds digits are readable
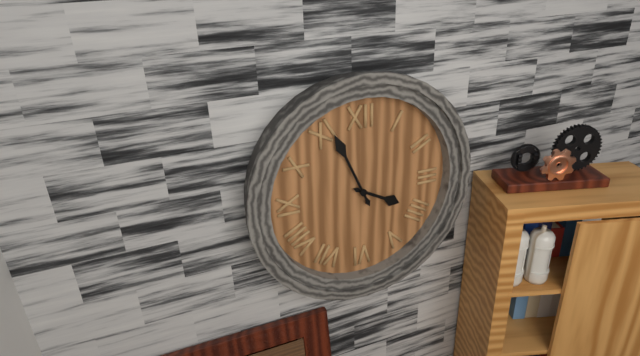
3:56
